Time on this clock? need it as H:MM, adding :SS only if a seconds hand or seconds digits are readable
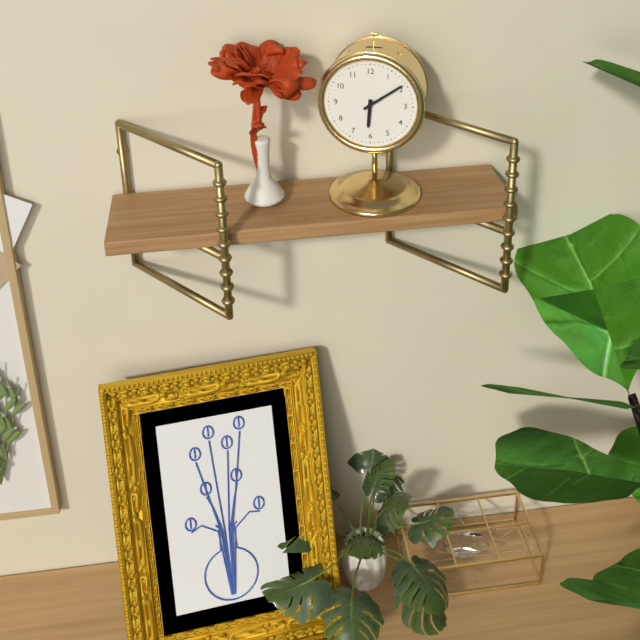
6:09
